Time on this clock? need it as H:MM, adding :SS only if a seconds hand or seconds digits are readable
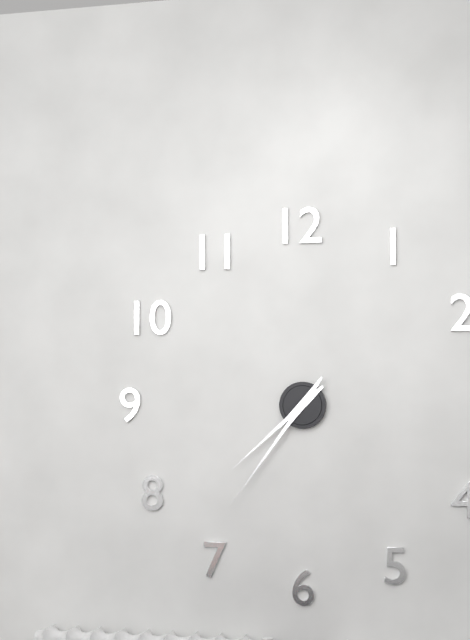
7:36
